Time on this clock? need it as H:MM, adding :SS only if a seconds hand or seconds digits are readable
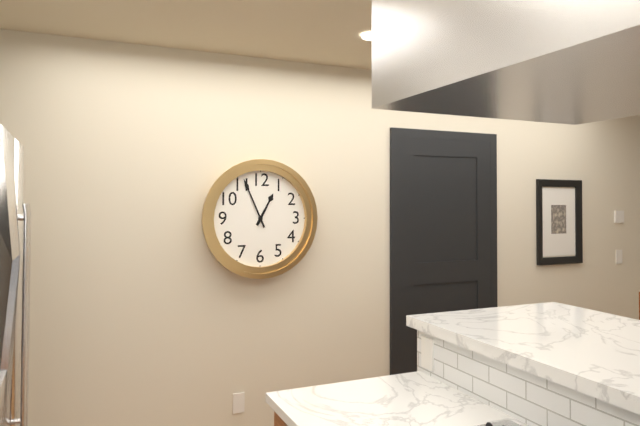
12:56
